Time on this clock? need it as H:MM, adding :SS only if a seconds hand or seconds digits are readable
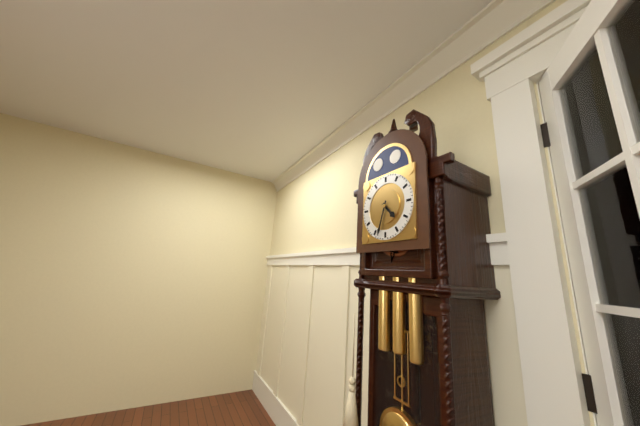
4:33
